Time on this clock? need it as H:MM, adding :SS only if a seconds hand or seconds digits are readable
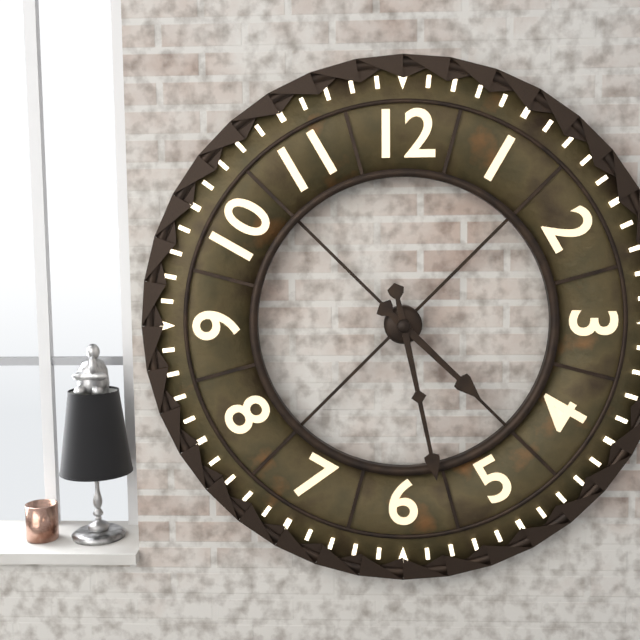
4:28
